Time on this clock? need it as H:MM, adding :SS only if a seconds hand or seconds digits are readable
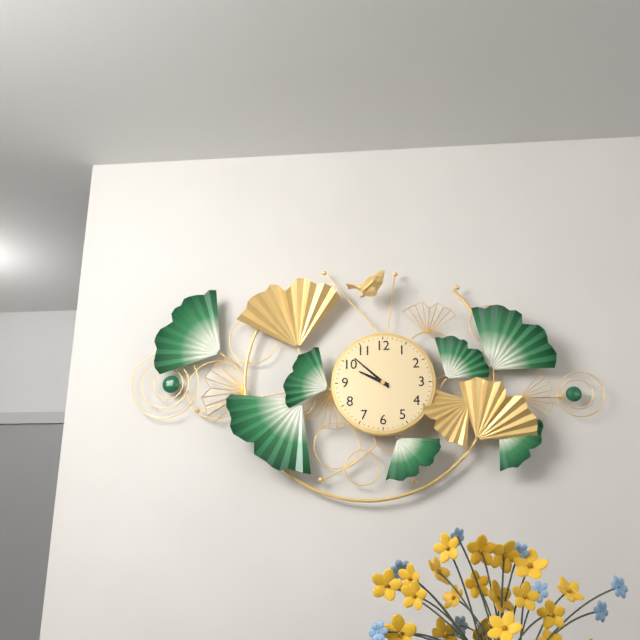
9:52
